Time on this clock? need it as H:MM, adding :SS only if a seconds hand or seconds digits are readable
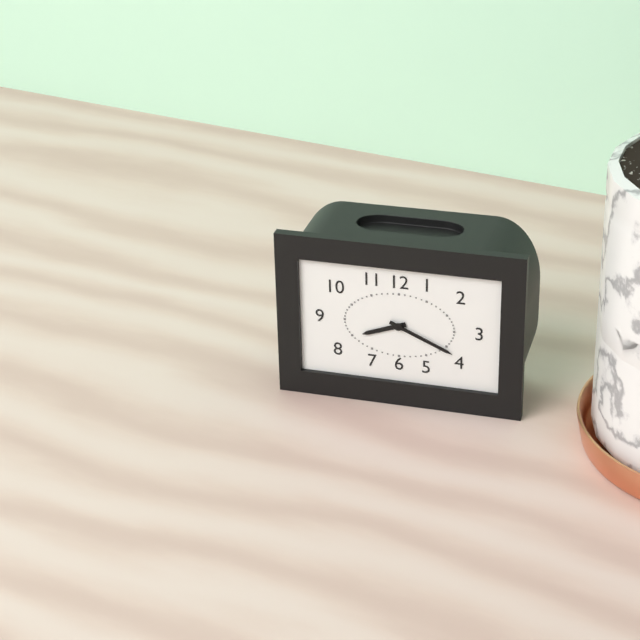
8:19
